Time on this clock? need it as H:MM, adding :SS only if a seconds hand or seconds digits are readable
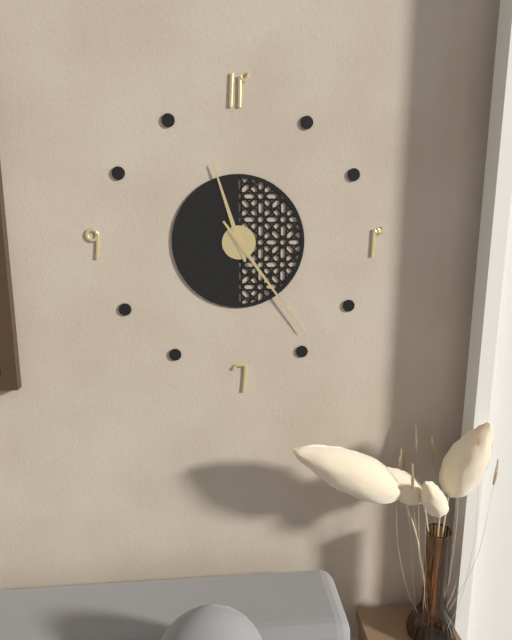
11:24
